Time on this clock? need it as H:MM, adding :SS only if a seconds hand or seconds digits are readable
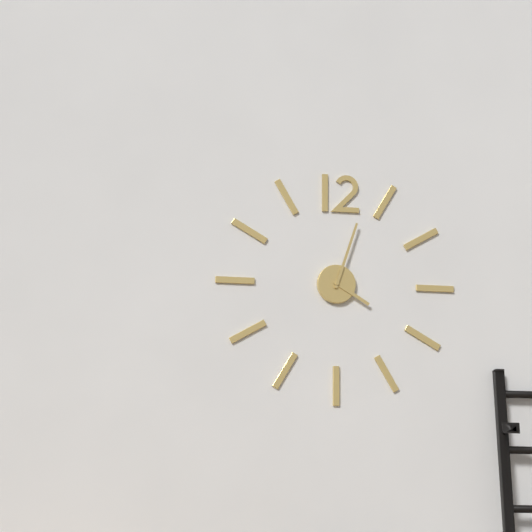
4:03
